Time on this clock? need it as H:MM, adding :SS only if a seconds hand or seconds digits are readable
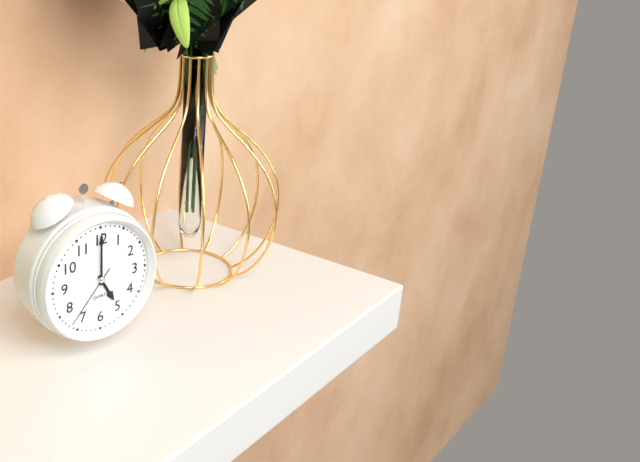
5:00:37
